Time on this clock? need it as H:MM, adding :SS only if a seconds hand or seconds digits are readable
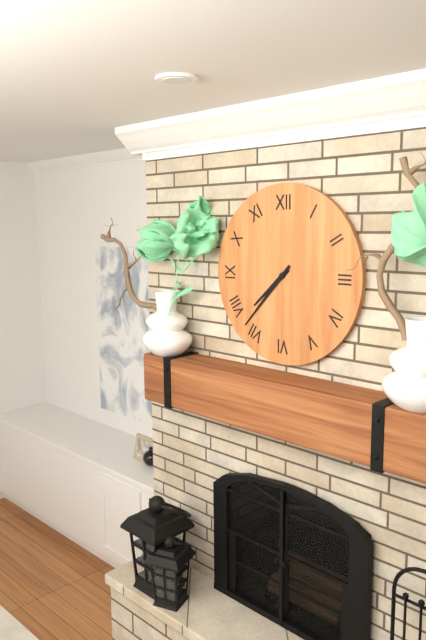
7:37
